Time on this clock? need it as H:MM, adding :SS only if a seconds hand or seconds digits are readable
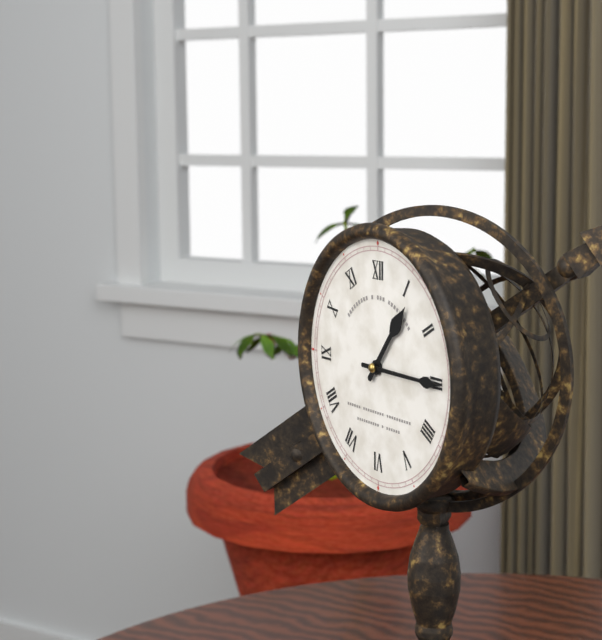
1:15
